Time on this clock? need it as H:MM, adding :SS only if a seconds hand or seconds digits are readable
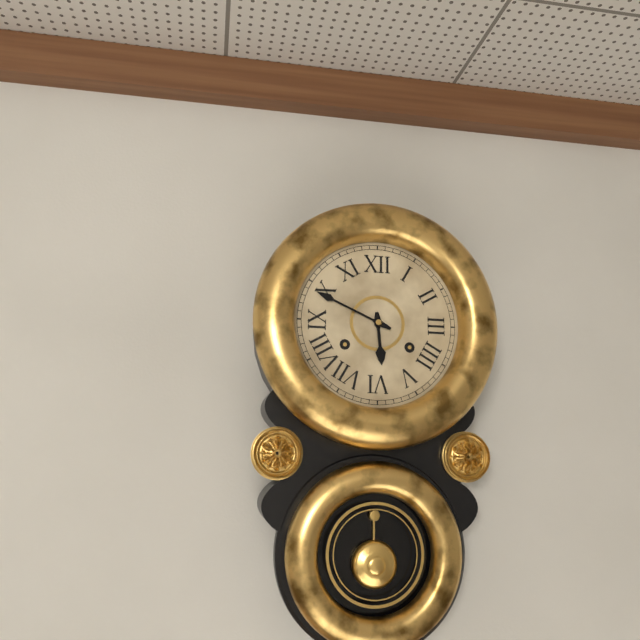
5:49
